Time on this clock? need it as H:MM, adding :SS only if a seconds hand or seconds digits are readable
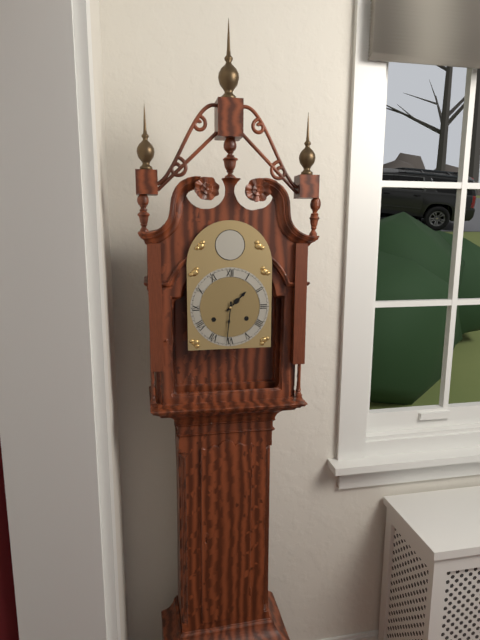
1:31
